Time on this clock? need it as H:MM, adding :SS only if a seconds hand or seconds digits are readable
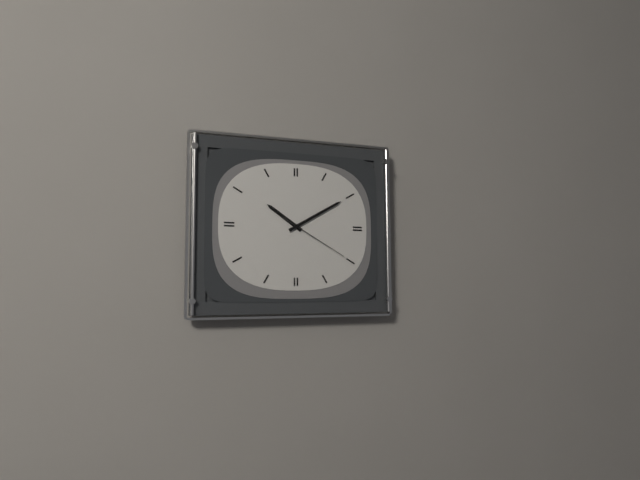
10:10:20
